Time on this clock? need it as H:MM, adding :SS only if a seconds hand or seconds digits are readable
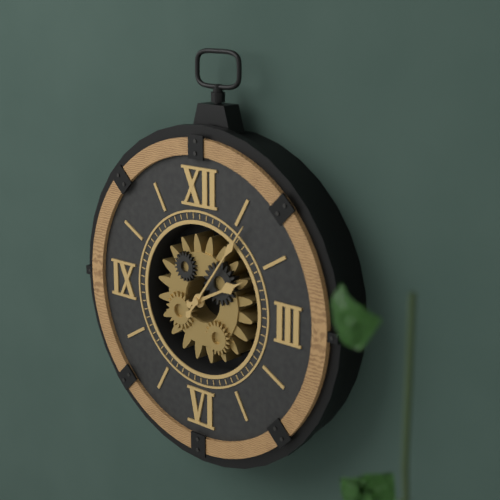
2:06
